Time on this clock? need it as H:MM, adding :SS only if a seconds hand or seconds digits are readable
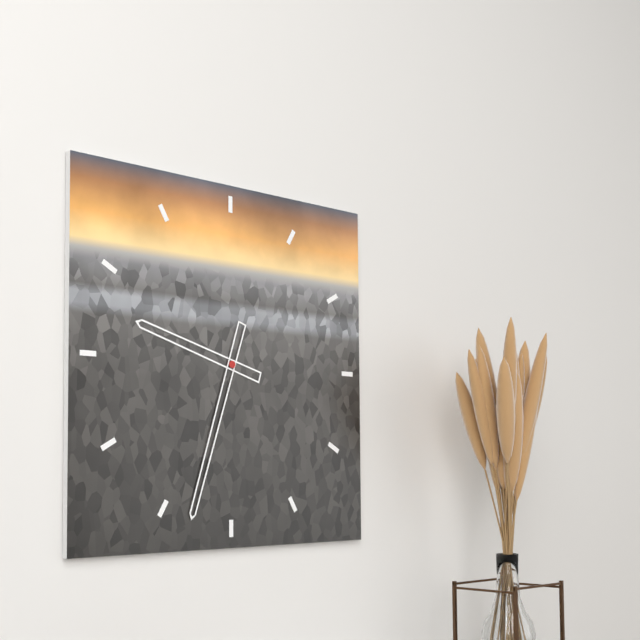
9:33
